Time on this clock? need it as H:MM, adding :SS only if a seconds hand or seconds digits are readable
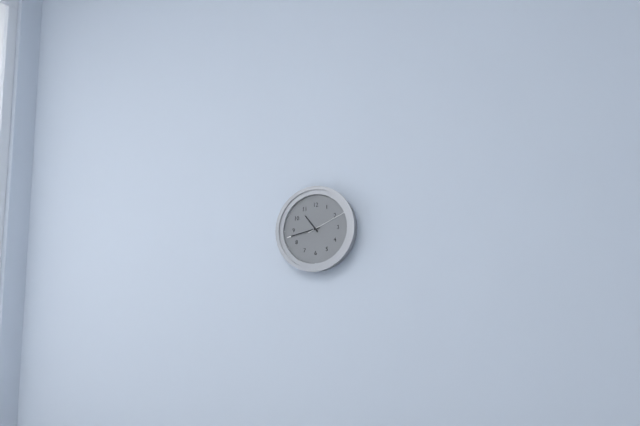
10:43
